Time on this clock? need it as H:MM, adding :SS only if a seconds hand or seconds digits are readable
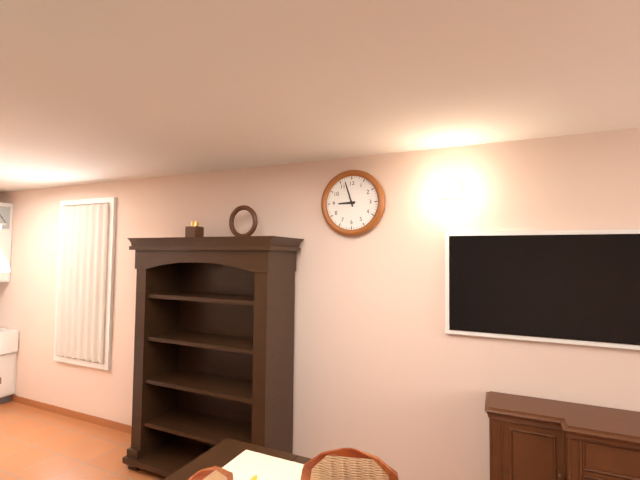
8:57
